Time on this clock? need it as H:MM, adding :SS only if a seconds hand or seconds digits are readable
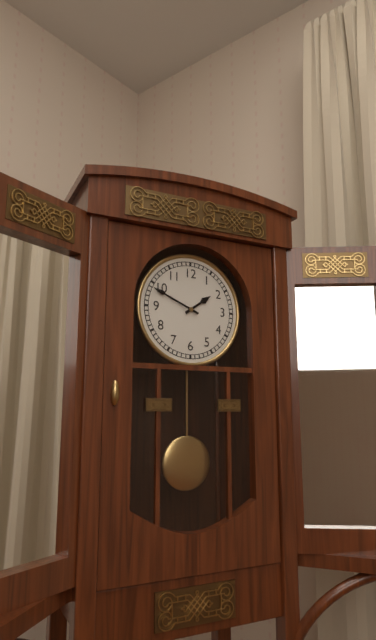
1:49
